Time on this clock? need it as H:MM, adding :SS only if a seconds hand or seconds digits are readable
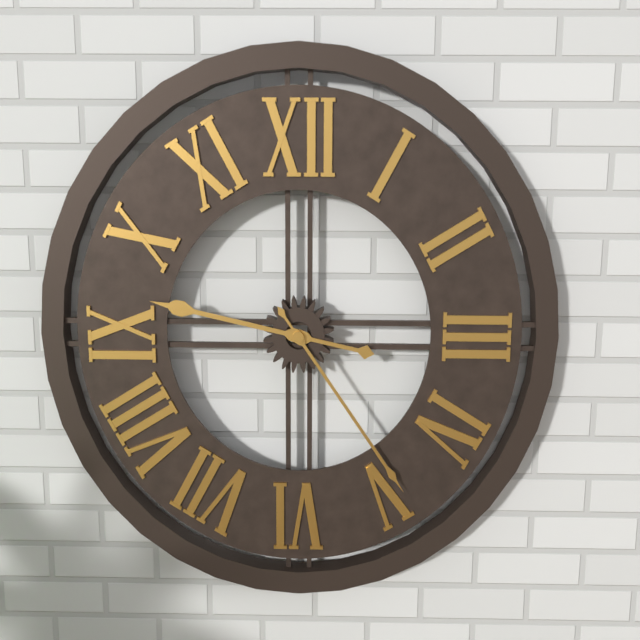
9:24
